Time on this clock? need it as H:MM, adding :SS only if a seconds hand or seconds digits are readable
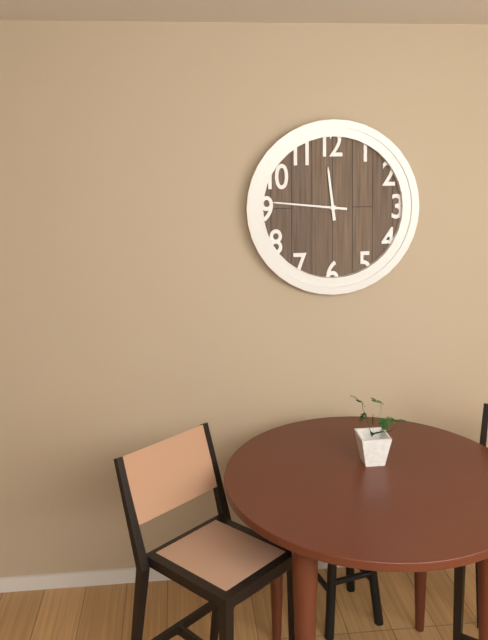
11:46
